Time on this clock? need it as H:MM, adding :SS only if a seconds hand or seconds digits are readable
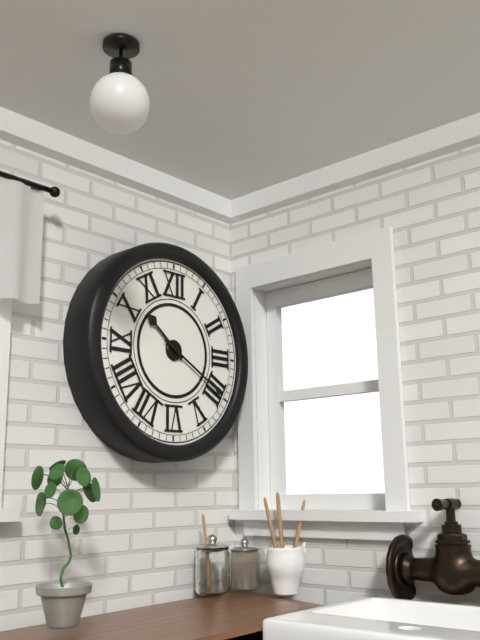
10:20
